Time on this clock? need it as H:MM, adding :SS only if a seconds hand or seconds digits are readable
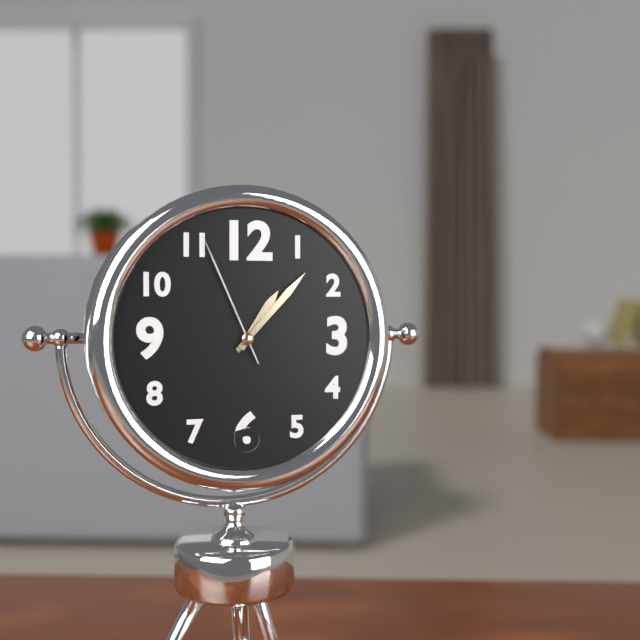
1:07:56
